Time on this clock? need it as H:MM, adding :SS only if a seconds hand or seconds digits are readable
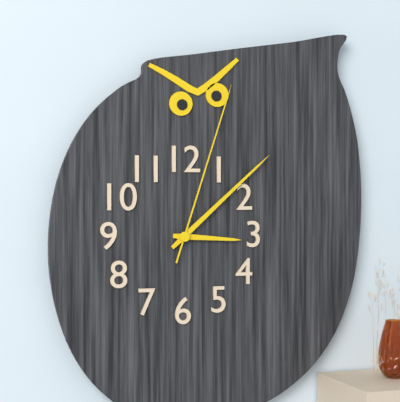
3:08:03
